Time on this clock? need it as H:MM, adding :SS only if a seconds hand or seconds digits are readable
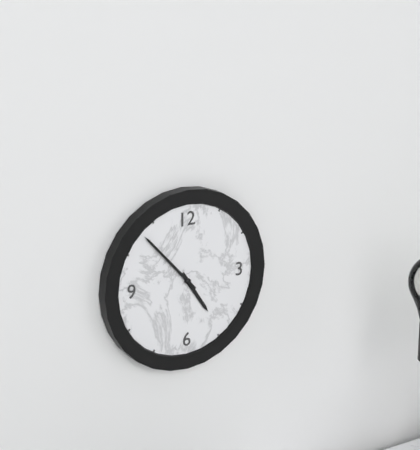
4:53
